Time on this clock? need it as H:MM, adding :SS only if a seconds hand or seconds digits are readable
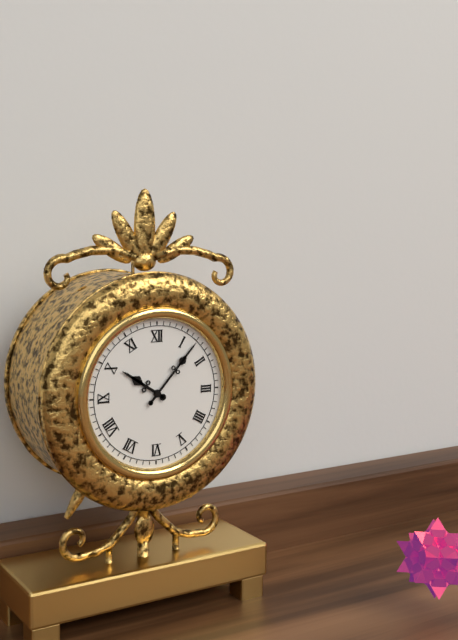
10:07
